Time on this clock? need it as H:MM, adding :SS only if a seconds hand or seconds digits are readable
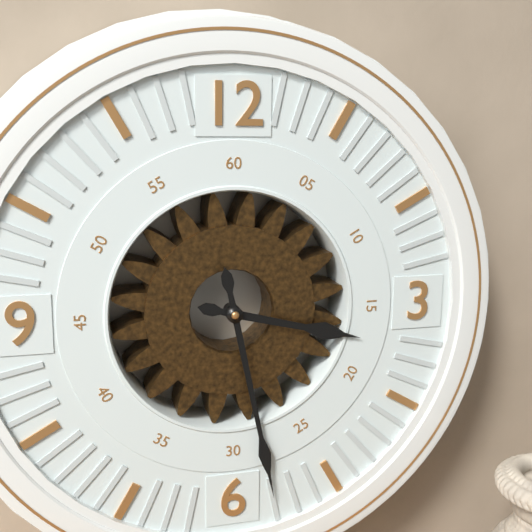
3:28
